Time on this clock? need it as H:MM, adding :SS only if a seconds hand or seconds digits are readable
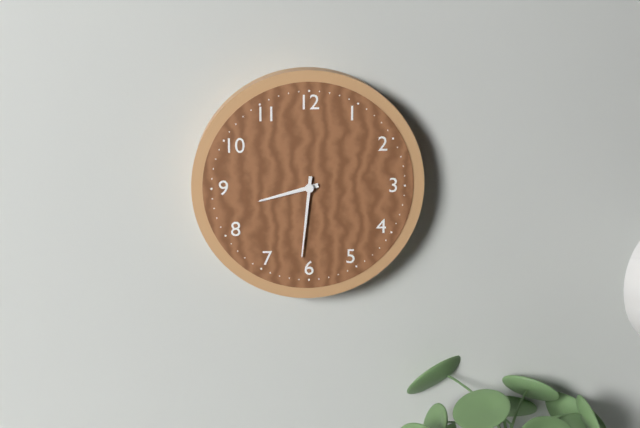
8:31
